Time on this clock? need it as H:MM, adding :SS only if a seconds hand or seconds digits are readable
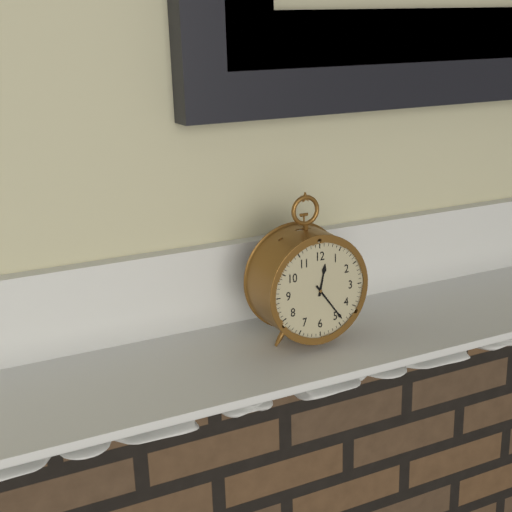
12:24
